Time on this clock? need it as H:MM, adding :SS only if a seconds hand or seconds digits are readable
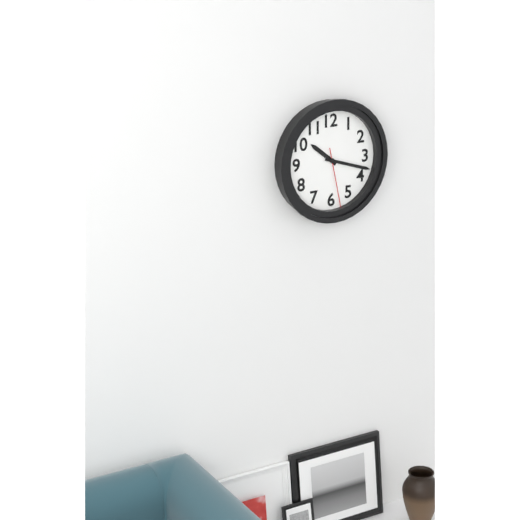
10:18:28
